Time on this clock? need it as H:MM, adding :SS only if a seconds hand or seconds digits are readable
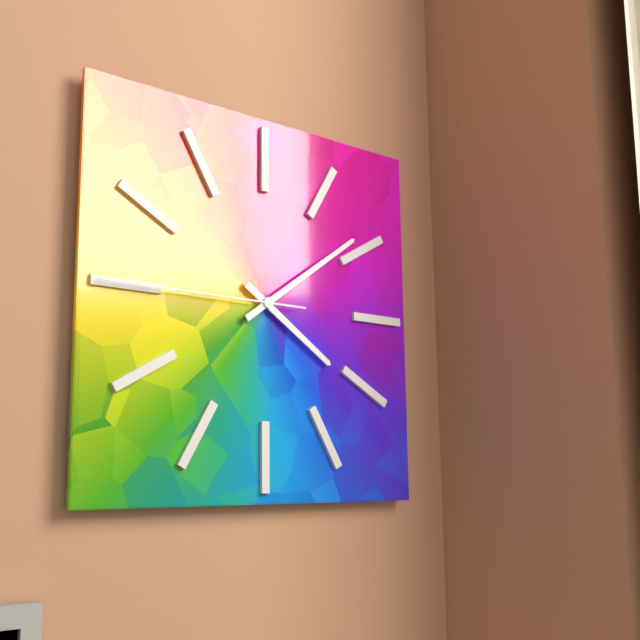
4:09:45
